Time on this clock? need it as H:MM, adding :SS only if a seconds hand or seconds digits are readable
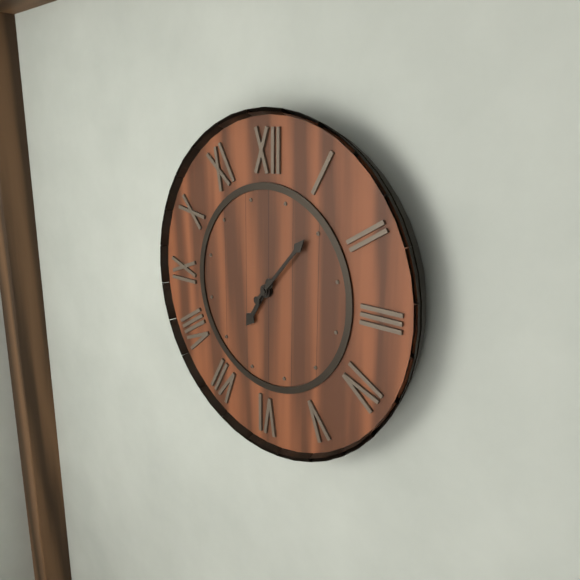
7:07
